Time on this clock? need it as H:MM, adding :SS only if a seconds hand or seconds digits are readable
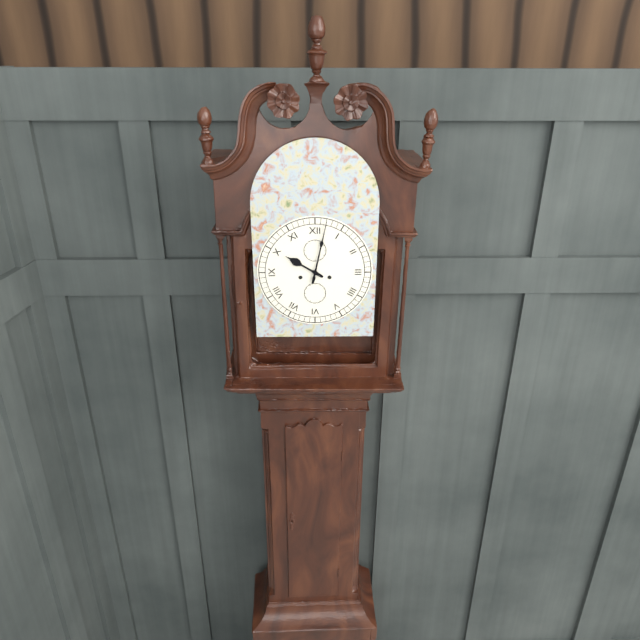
10:02
